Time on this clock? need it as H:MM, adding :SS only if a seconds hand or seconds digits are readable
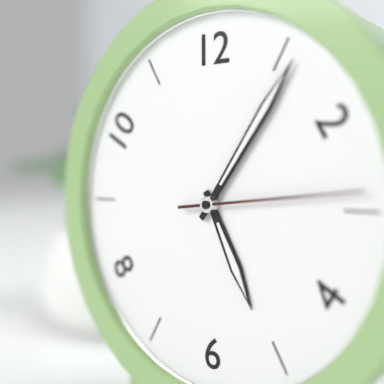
5:06:14
